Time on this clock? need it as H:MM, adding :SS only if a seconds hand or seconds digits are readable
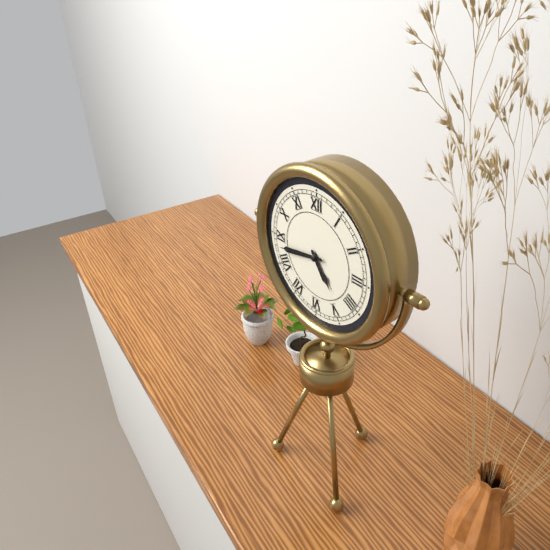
4:43
